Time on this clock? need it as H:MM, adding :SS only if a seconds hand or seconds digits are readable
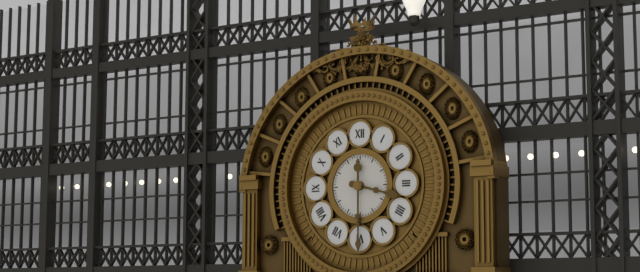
3:30
